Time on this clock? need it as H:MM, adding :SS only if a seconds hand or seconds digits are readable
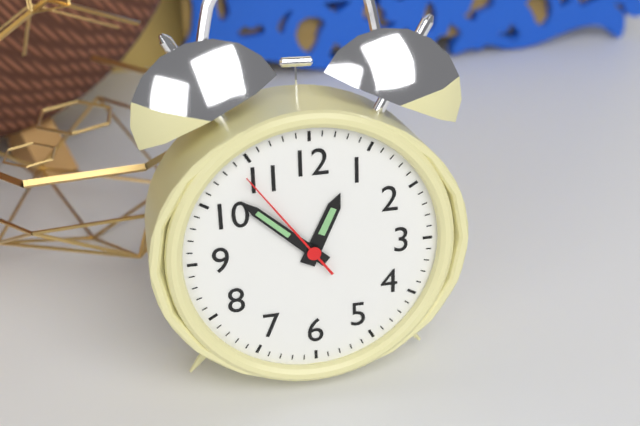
12:52:54
